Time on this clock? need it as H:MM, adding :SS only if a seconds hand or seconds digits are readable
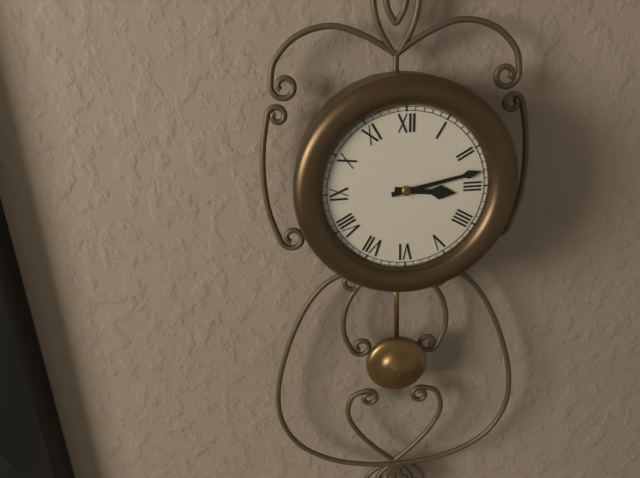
3:13
